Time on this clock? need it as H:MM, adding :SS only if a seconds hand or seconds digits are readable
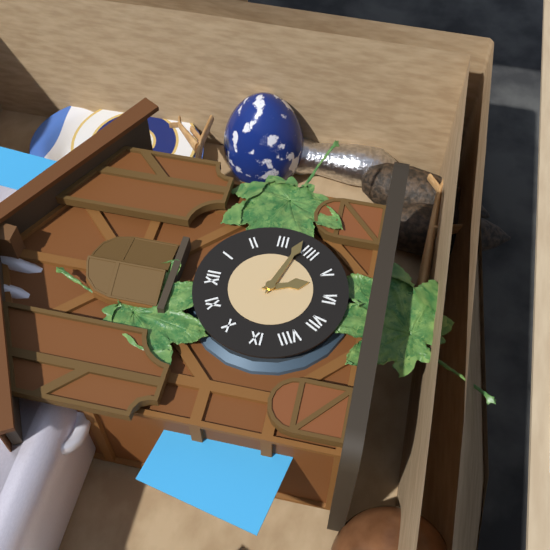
5:18
